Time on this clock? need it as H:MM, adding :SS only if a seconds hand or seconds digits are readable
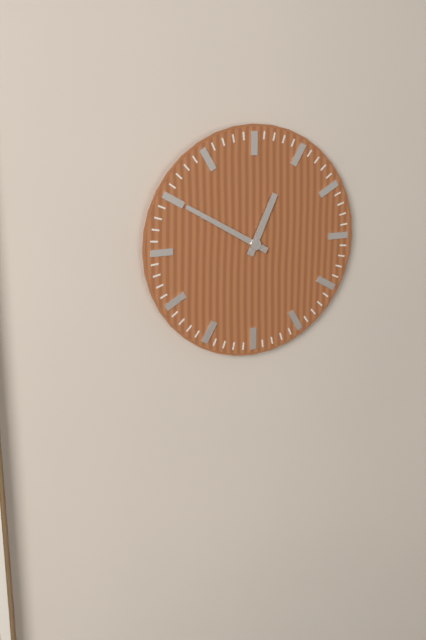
12:50
